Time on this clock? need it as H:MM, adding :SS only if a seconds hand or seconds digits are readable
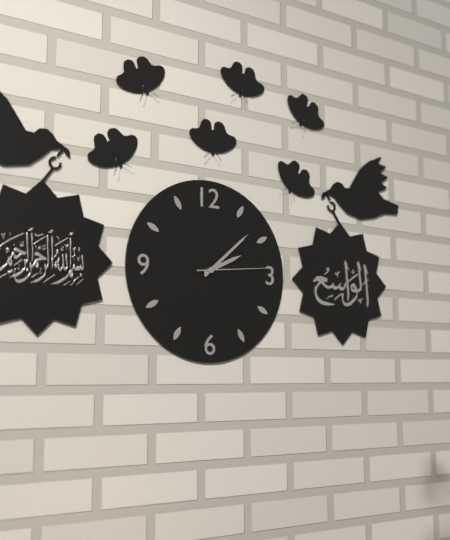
2:08:14
